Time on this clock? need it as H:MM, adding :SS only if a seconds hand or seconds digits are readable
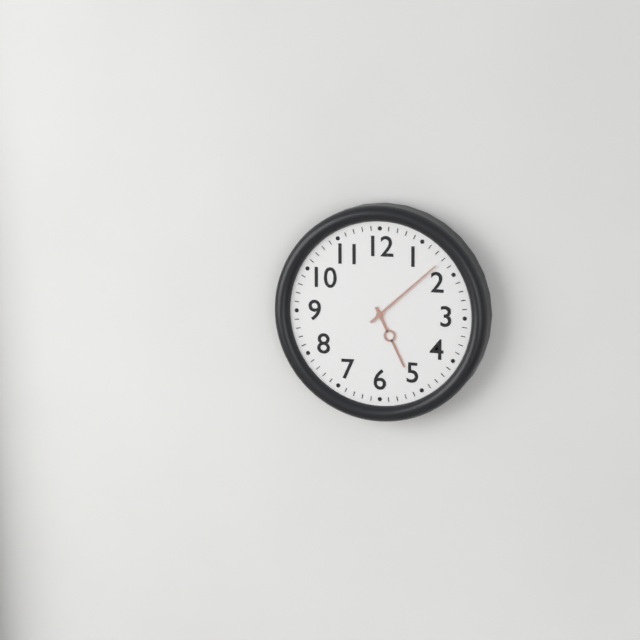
5:08
